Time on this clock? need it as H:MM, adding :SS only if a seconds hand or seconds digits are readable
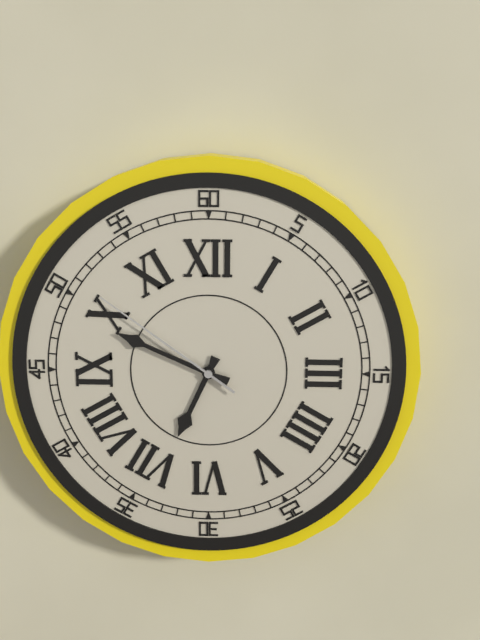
6:49:51
